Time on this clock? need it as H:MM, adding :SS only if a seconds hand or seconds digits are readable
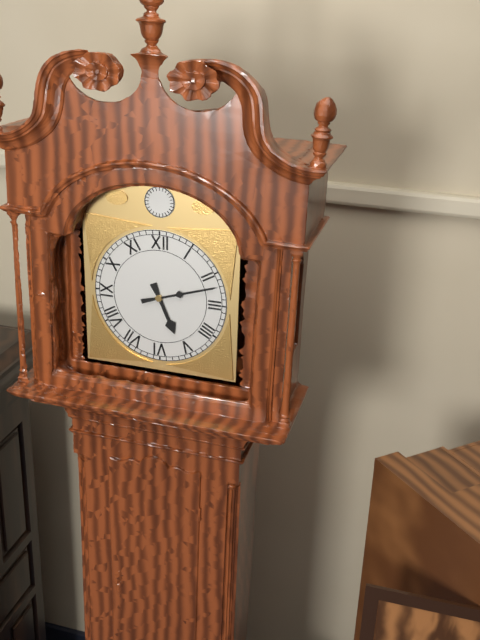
5:12
